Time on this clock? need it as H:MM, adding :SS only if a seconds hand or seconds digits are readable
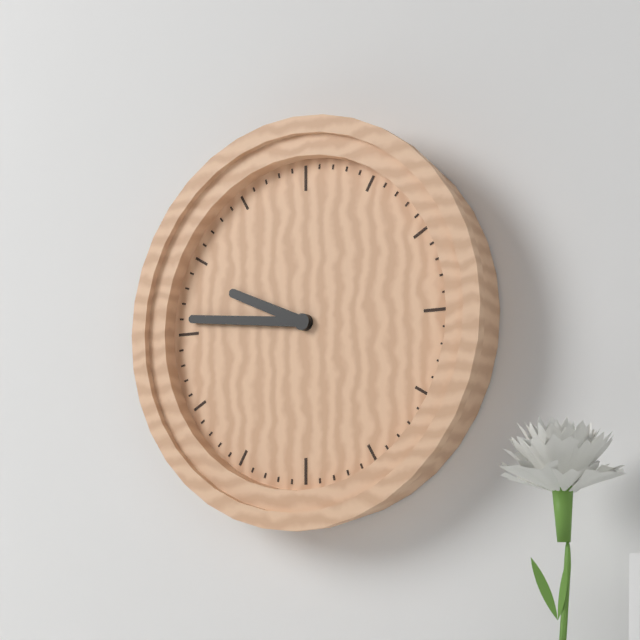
9:46
